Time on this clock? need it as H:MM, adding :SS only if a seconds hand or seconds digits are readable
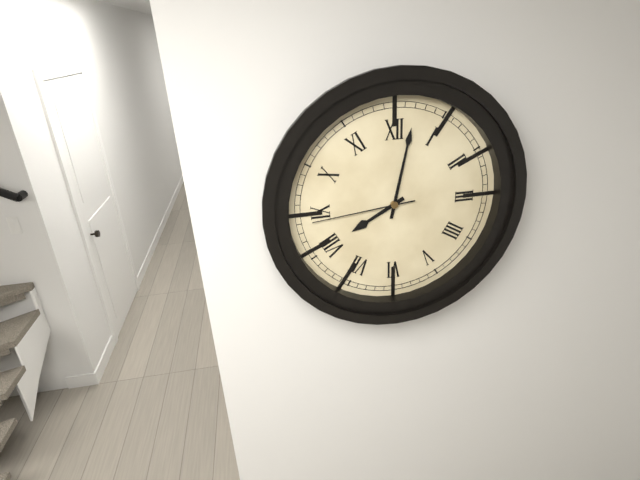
8:02:44
